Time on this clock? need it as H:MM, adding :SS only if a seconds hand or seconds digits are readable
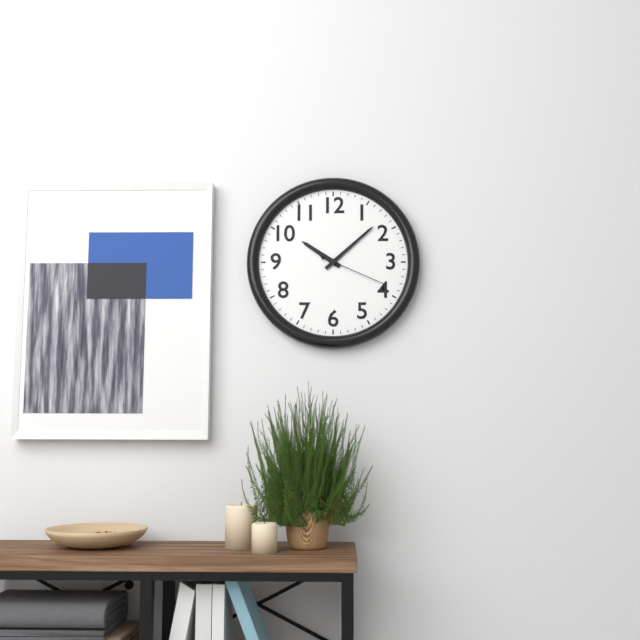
10:08:19
